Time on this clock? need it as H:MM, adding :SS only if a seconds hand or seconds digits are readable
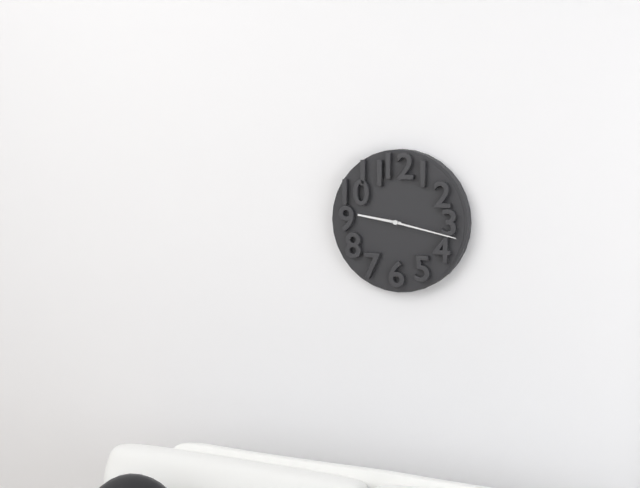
9:17
